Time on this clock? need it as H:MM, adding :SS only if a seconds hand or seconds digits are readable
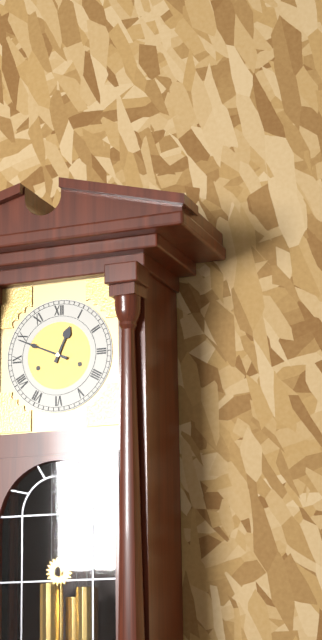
12:49
